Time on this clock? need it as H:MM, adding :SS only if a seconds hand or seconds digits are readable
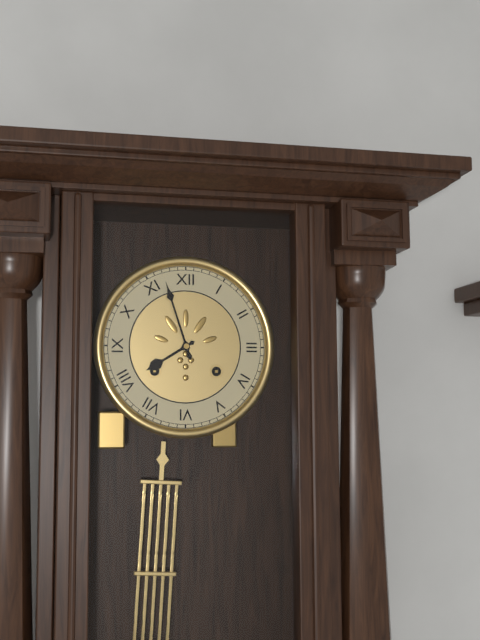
7:57
